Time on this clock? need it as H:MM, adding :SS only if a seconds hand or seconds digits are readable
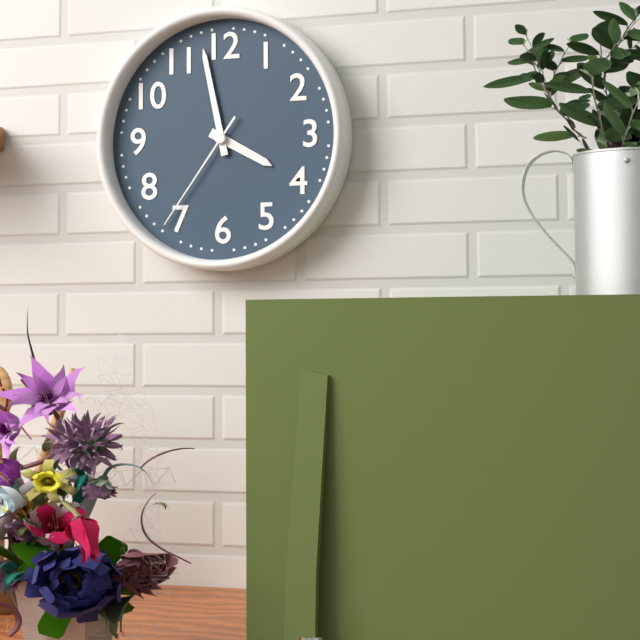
3:58:36
